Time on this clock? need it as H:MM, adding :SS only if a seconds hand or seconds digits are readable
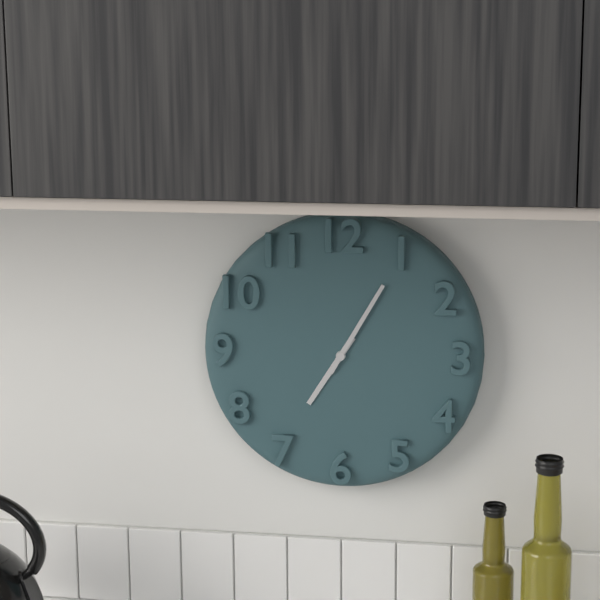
7:05
